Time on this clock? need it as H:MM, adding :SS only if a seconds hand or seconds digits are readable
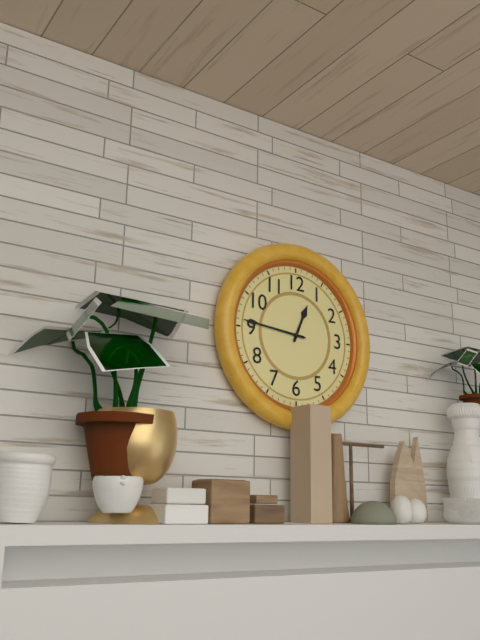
12:46
